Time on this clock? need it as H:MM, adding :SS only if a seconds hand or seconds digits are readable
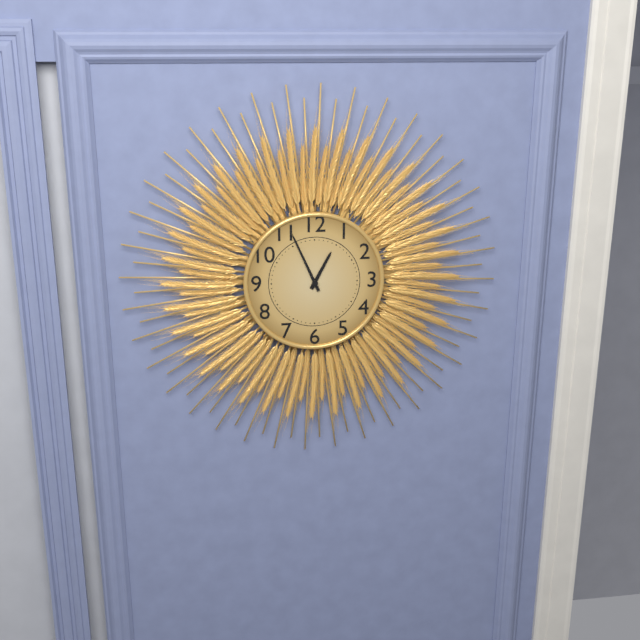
12:56
